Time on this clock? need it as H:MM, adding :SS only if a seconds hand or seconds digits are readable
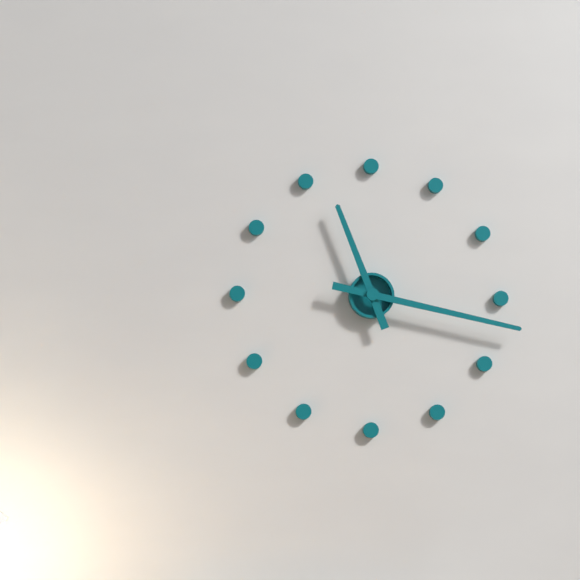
11:17
